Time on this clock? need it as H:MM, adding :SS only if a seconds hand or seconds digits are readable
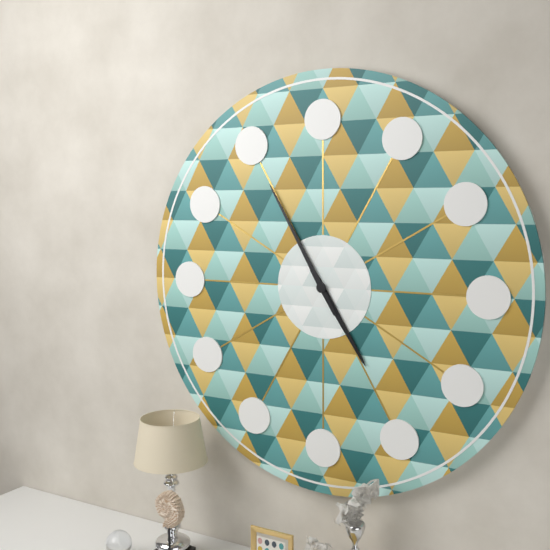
4:55
